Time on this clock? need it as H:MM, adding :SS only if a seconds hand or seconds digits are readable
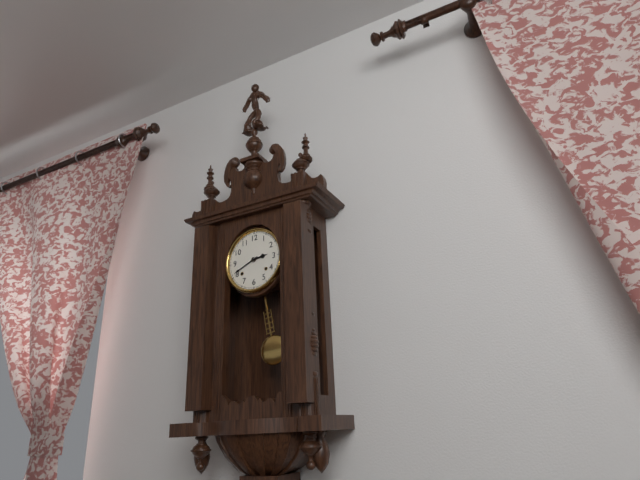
2:41
